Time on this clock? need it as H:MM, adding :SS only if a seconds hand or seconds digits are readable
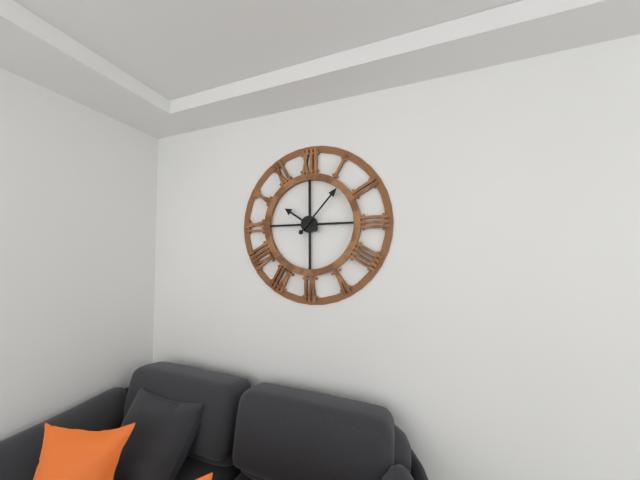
10:07
